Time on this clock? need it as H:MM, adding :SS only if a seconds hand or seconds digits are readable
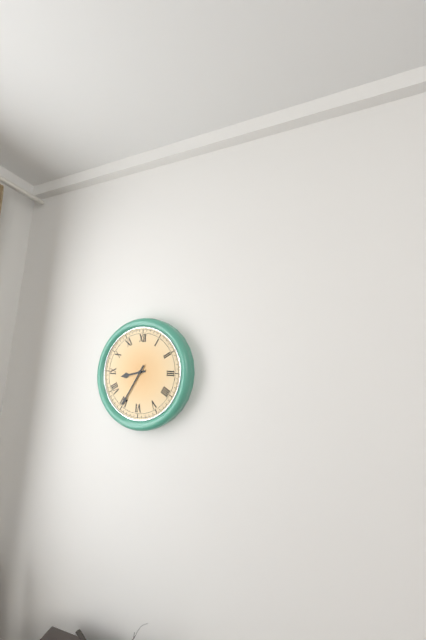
8:35
